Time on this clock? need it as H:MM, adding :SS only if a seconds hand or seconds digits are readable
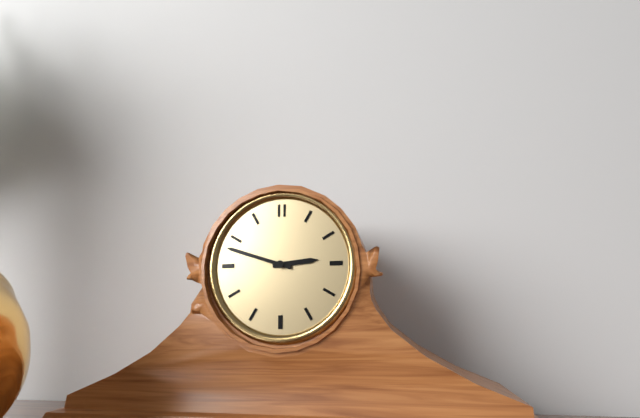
2:48
